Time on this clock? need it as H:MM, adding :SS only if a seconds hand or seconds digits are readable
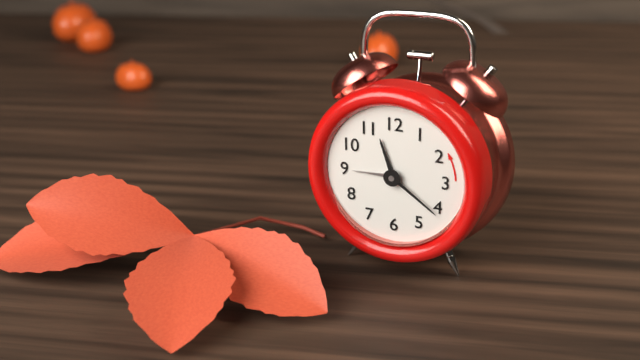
11:21:45
